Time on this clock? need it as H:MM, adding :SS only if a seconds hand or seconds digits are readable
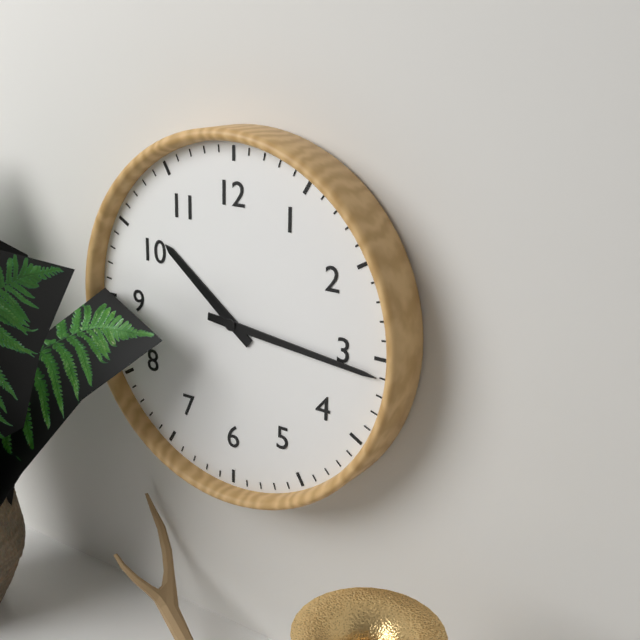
10:16
